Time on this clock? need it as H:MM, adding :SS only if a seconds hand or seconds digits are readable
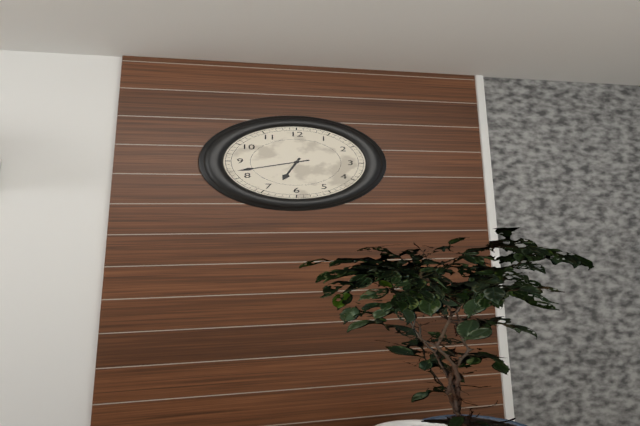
6:42
